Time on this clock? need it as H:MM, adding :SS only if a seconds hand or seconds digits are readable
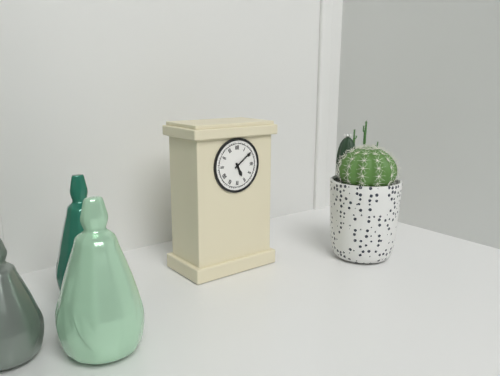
5:09
